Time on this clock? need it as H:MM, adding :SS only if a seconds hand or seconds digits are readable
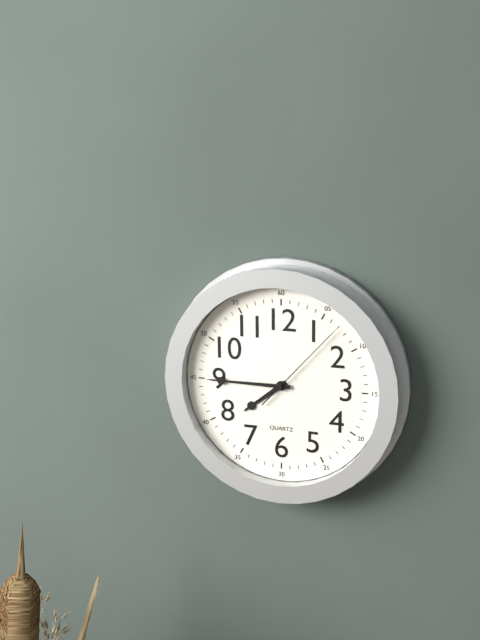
7:45:07
